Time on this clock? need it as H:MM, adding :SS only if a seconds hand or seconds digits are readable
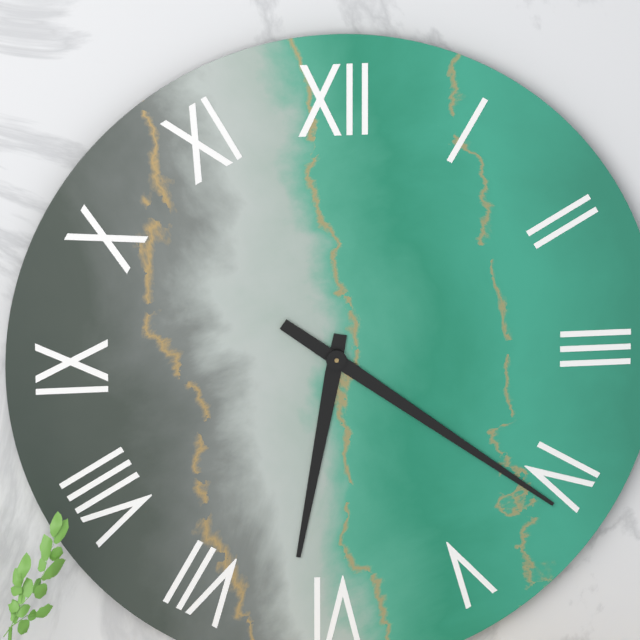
6:21
